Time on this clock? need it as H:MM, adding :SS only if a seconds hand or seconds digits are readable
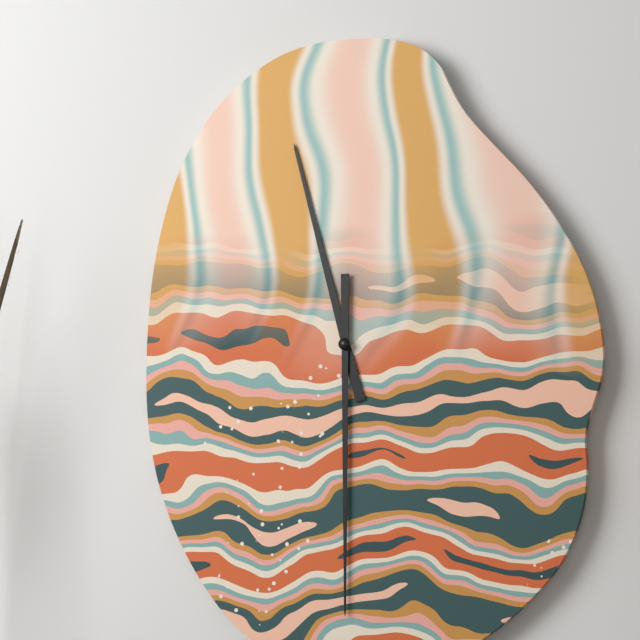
11:30
